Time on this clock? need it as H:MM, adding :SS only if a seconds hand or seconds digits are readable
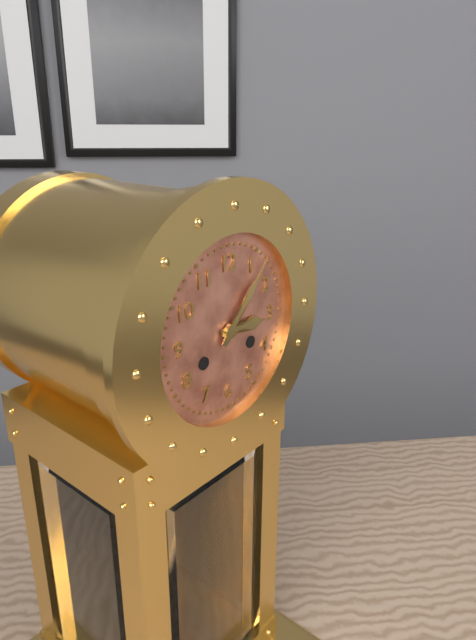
3:07
